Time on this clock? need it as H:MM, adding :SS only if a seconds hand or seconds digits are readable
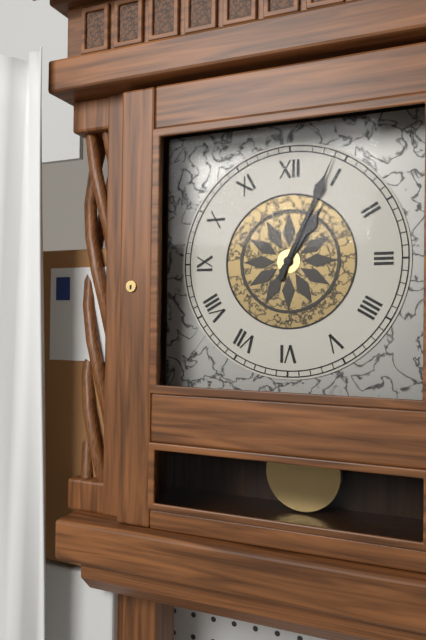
1:04
